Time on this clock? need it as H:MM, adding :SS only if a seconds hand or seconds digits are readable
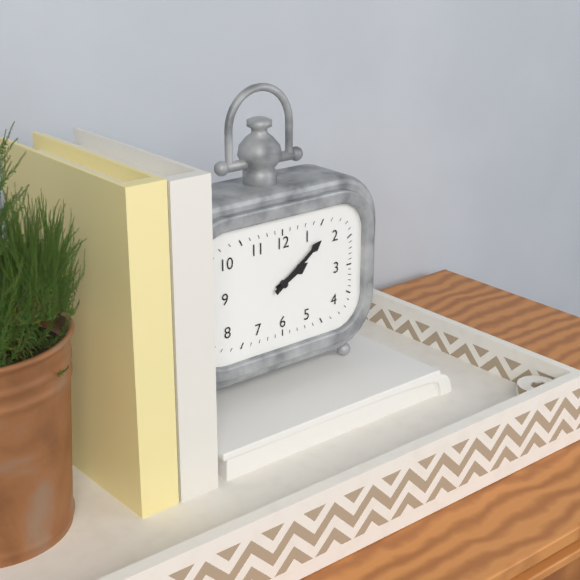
2:09
